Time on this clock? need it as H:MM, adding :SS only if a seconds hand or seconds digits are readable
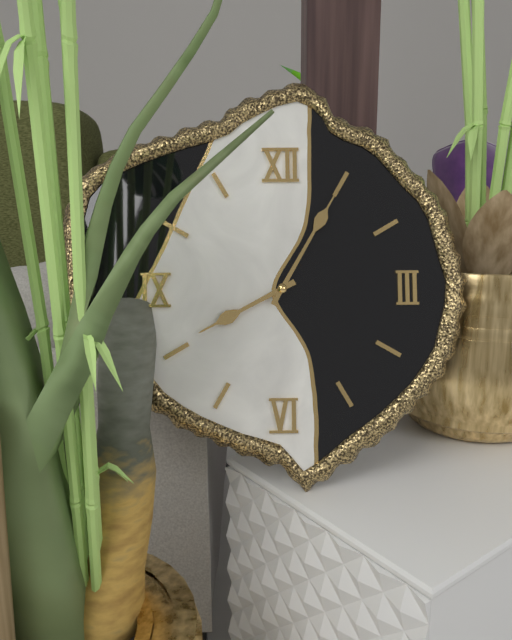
8:05
